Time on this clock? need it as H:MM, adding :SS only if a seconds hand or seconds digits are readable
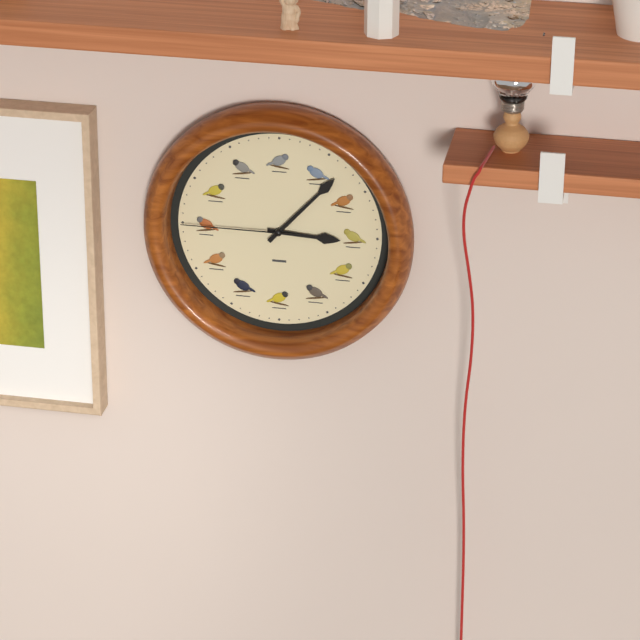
3:07:45
